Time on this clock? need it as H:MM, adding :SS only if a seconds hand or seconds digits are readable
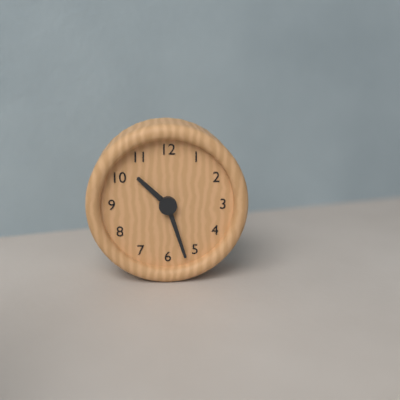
10:27
